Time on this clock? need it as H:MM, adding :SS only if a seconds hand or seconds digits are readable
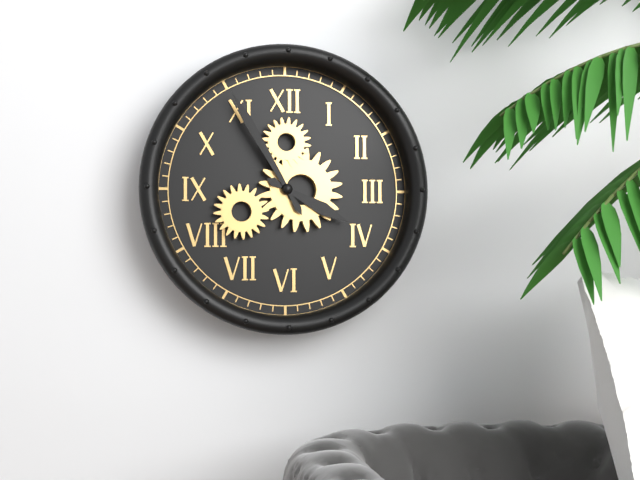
3:55
